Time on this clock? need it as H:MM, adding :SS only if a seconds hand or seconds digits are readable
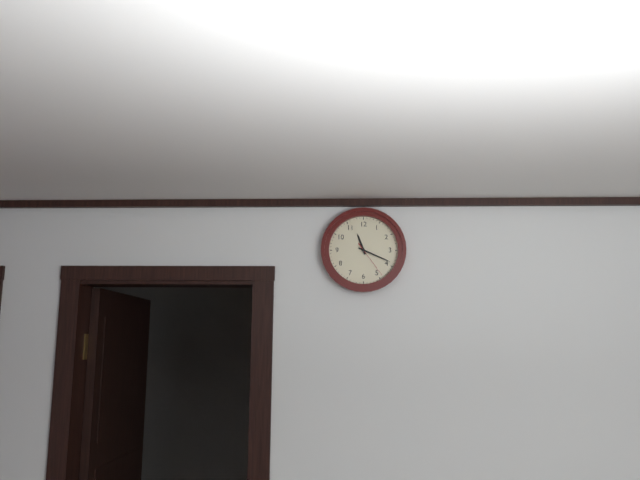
11:19
